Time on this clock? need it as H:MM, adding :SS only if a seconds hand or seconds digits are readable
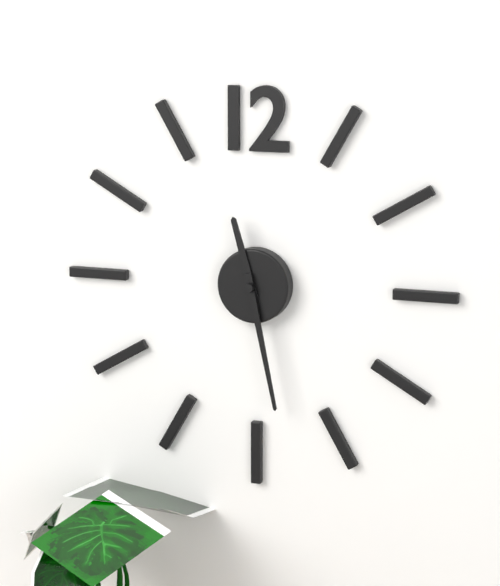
11:28
